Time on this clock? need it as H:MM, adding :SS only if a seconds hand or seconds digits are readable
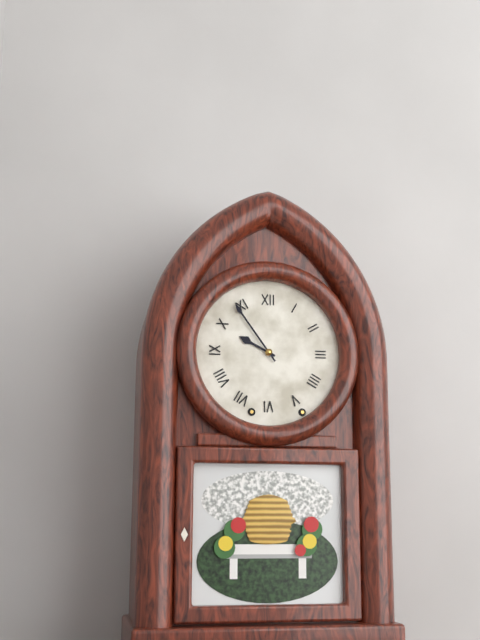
9:54
